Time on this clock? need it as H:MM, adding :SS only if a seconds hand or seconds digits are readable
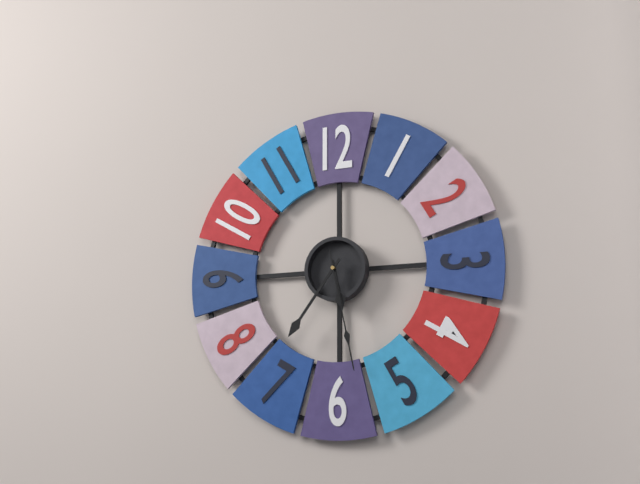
5:36:28
